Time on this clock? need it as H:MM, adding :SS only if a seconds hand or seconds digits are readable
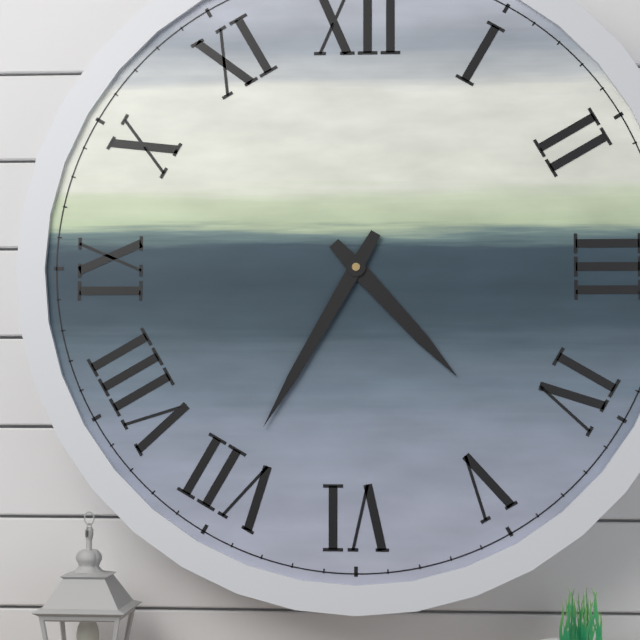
4:35
